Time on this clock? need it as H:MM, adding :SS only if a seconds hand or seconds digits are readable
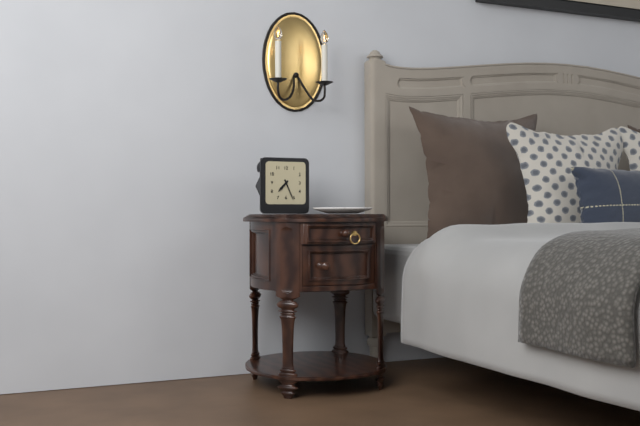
7:26
